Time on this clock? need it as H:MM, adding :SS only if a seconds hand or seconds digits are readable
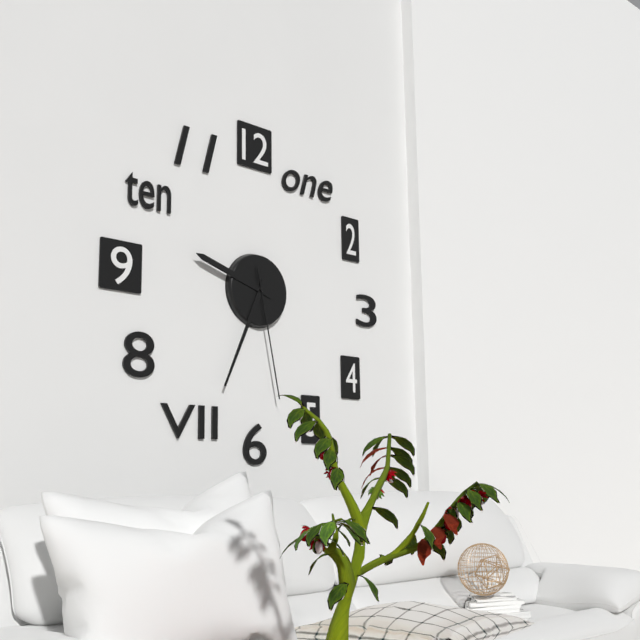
9:34:28
